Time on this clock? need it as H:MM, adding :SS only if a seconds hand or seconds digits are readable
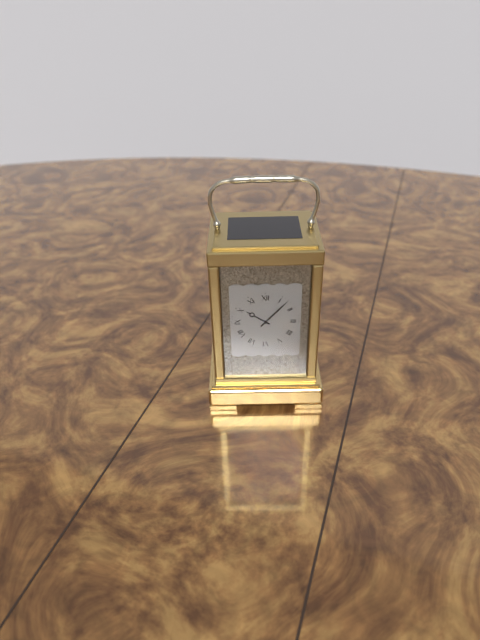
10:07
